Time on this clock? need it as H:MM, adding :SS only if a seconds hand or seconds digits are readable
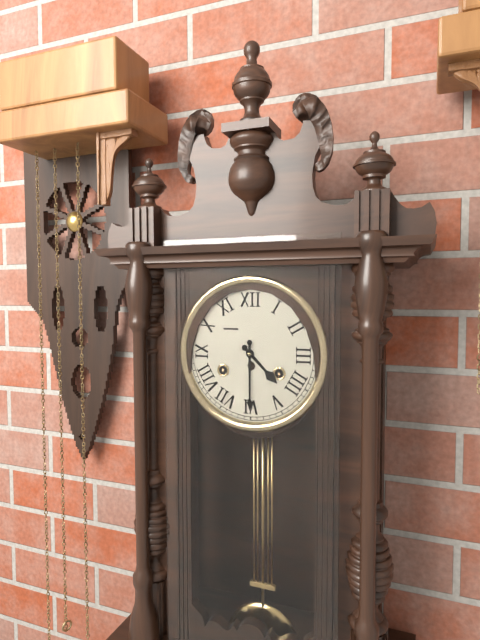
4:30
